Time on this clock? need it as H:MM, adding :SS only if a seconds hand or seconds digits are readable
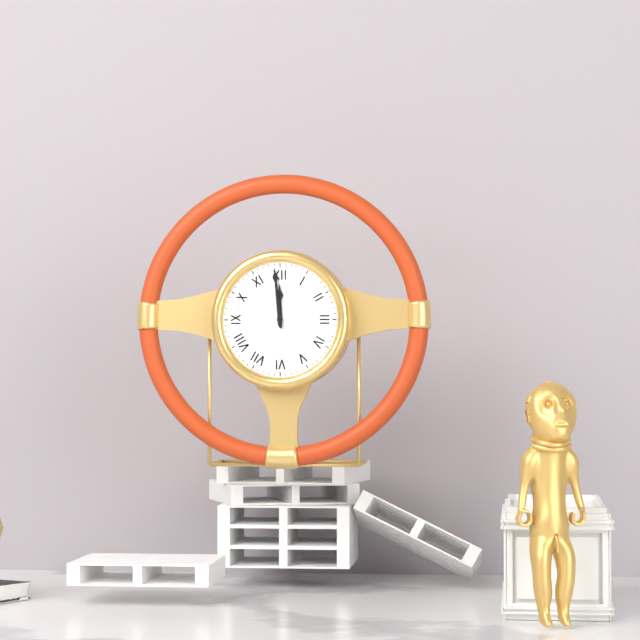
11:59
